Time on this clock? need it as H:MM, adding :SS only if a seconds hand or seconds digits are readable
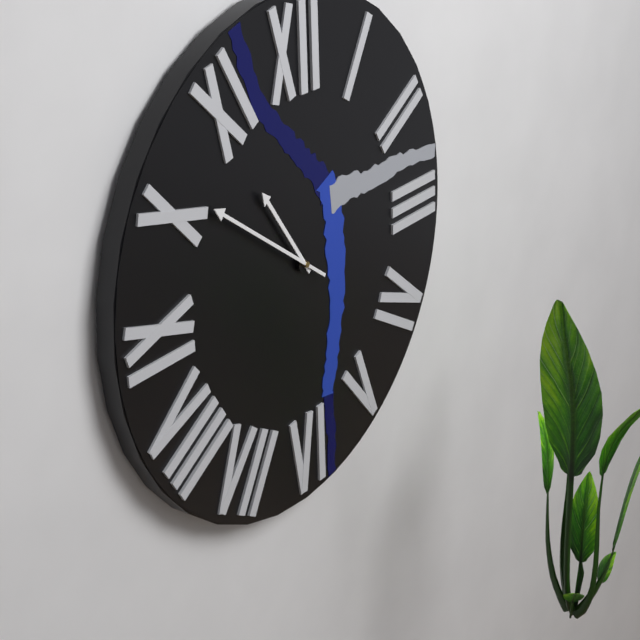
10:51
